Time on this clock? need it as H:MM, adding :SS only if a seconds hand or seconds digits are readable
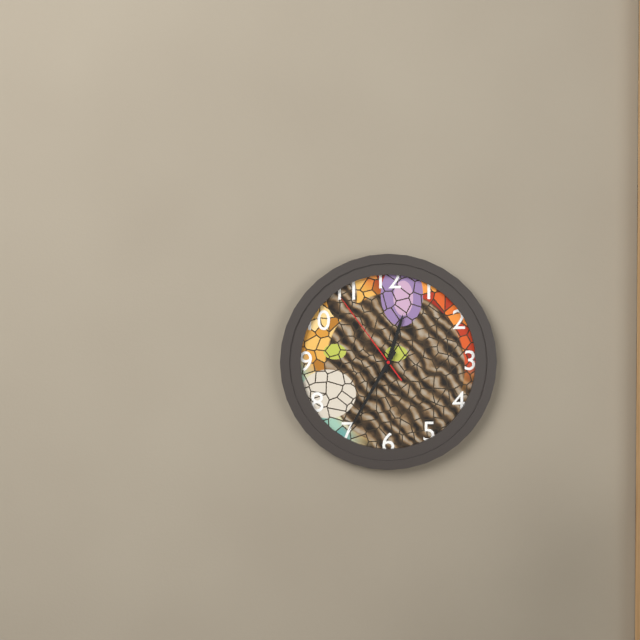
12:35:54
